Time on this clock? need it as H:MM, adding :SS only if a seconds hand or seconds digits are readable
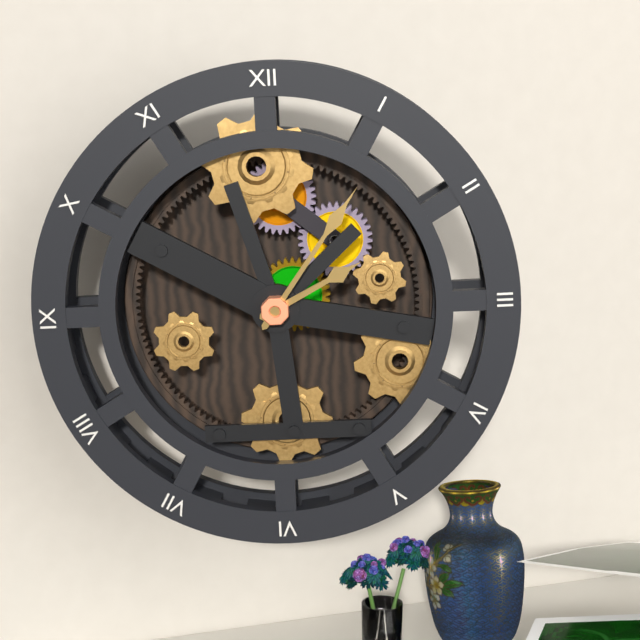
2:06
